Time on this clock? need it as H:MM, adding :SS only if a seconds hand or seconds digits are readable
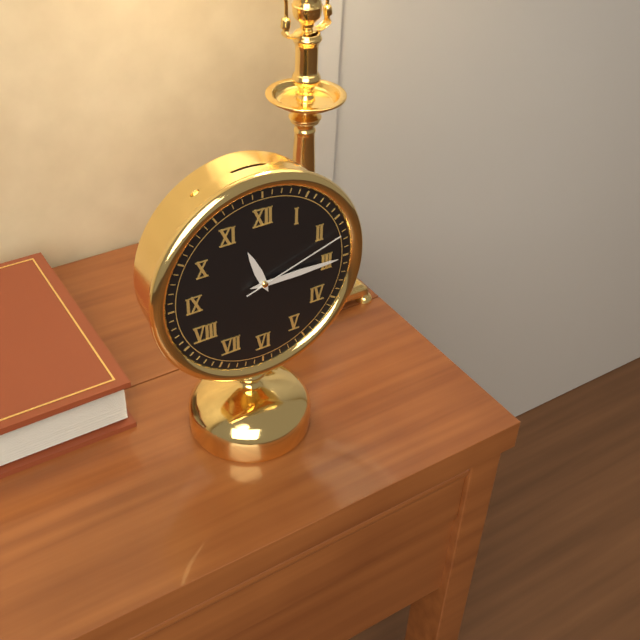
11:15:12
